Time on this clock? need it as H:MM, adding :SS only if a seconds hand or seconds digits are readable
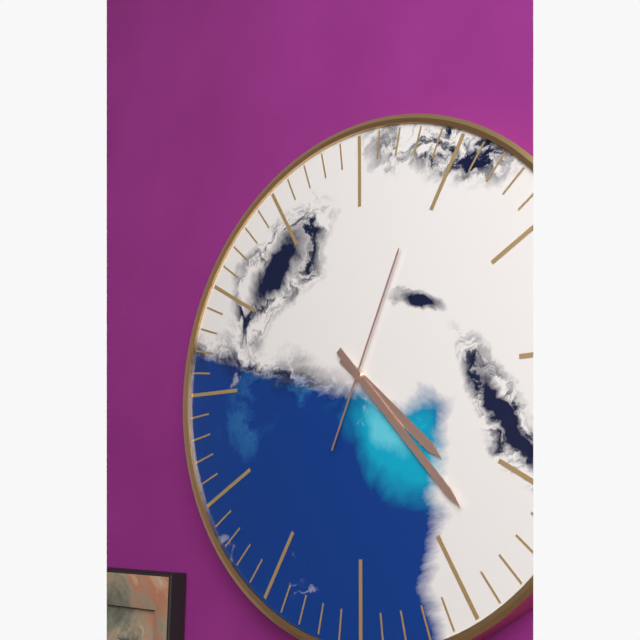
4:23:04
